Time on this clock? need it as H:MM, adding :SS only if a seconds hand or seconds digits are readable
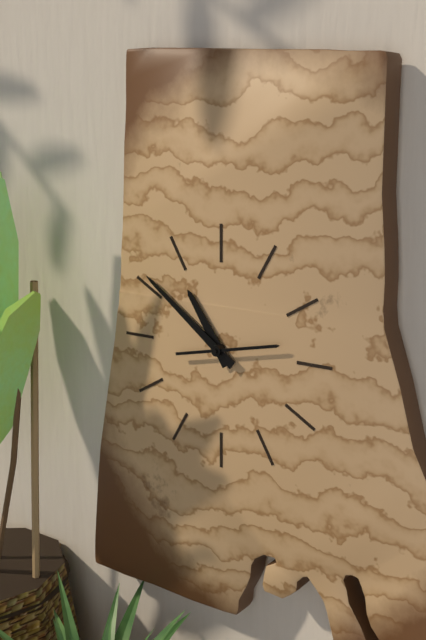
10:51:13
